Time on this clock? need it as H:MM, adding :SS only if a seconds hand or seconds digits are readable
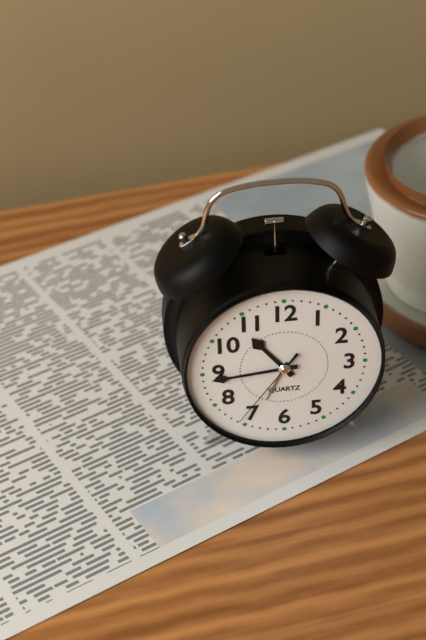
10:44:36
